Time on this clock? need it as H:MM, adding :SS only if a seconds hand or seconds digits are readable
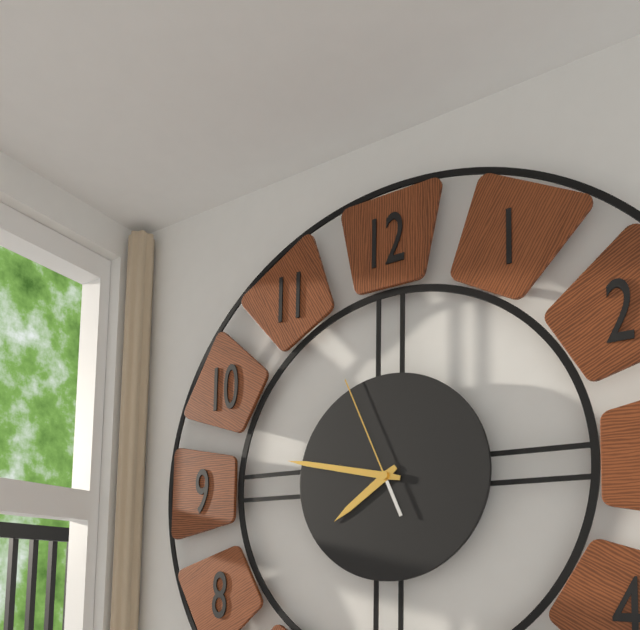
7:47:56
